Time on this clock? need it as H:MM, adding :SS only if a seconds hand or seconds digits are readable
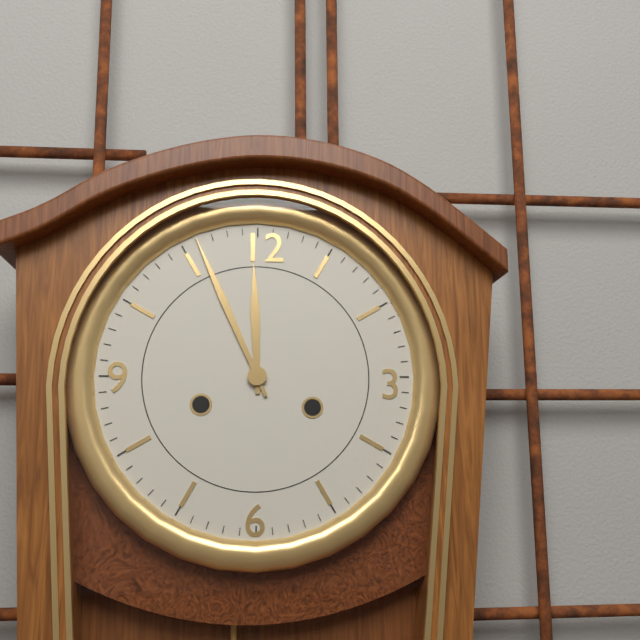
11:56
